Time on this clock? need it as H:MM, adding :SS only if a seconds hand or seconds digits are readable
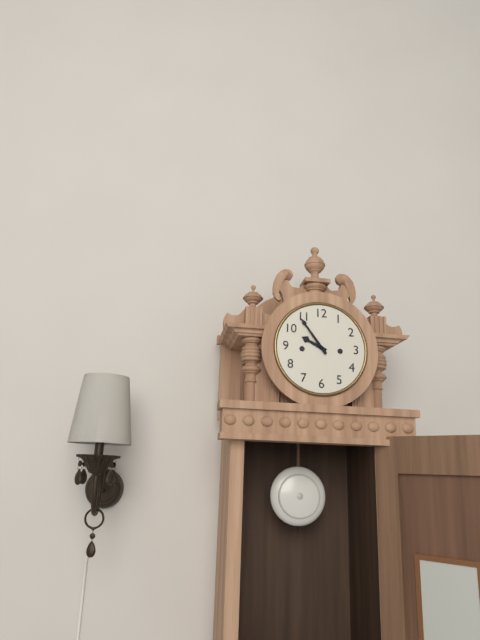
9:54
